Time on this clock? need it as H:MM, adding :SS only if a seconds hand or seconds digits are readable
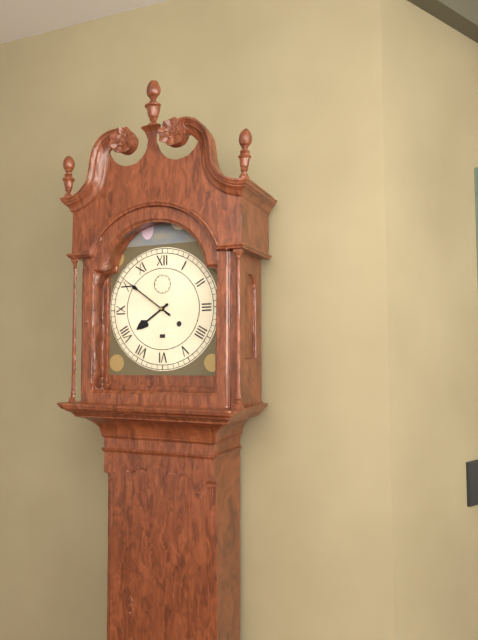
7:51
